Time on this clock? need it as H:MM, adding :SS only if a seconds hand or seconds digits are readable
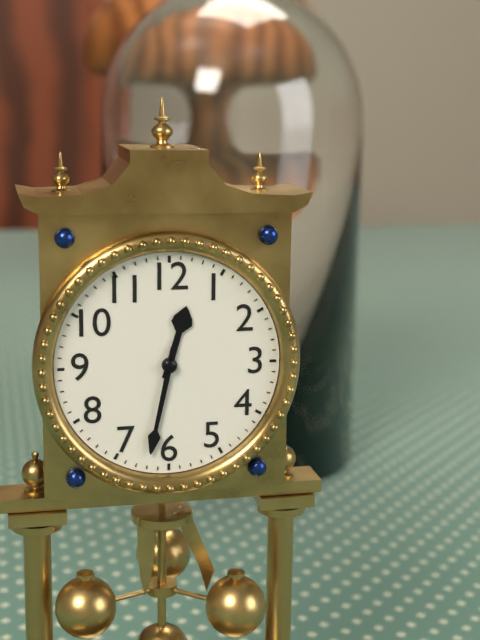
12:32
